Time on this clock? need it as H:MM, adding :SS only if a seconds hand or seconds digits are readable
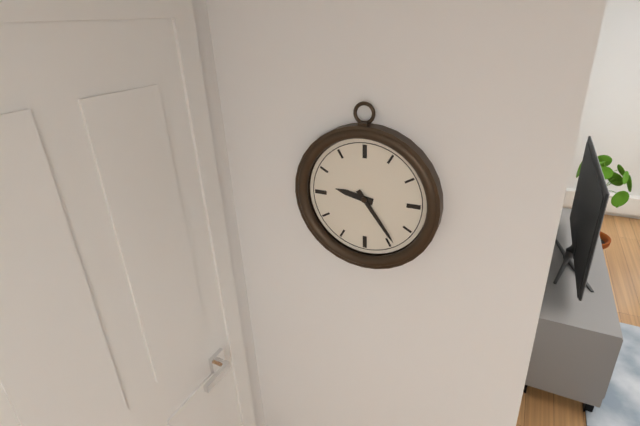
9:24
